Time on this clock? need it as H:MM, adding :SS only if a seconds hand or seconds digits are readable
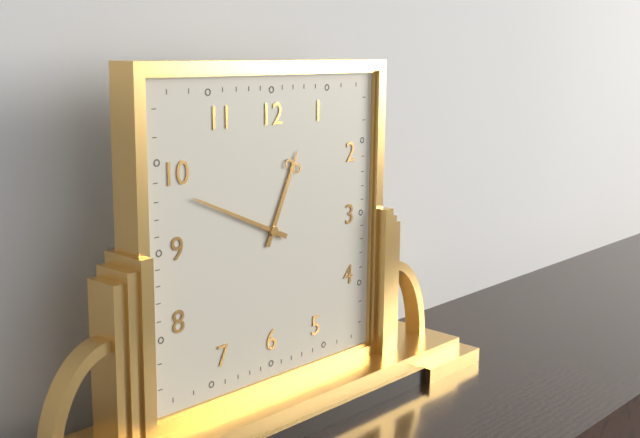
12:49
